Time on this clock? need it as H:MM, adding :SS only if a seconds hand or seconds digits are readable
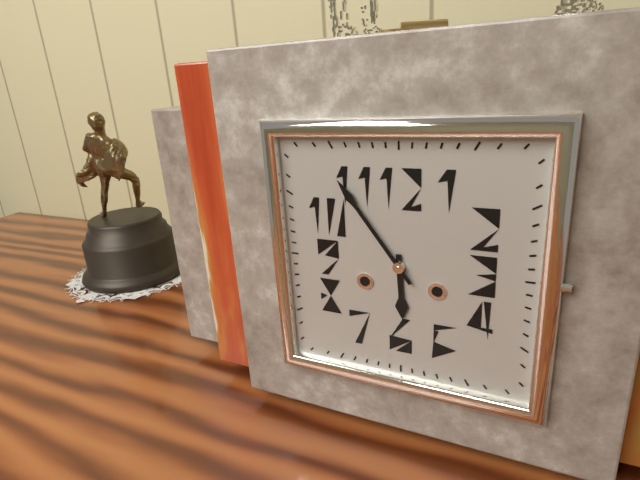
5:54
